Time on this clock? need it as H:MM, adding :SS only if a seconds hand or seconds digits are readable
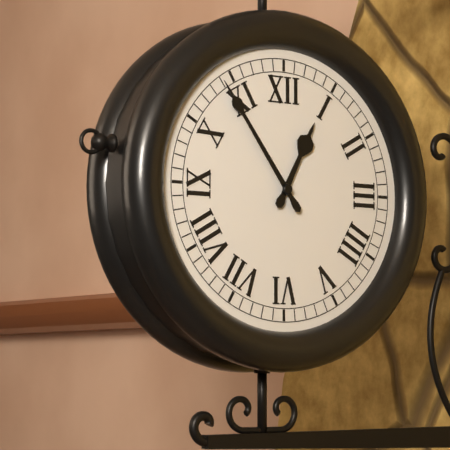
12:54
